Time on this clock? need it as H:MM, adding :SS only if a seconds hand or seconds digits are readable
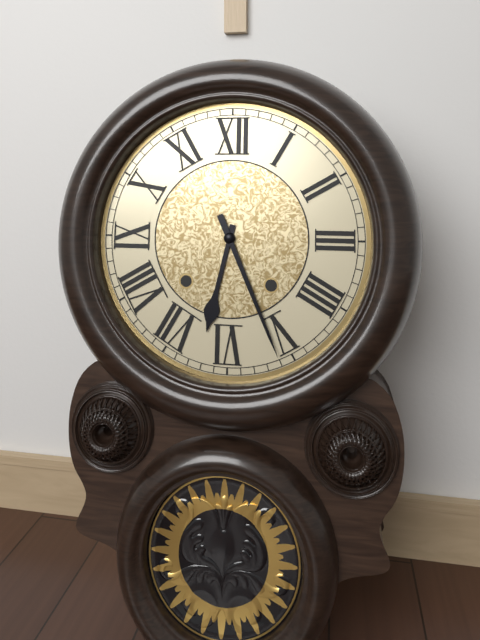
6:26
